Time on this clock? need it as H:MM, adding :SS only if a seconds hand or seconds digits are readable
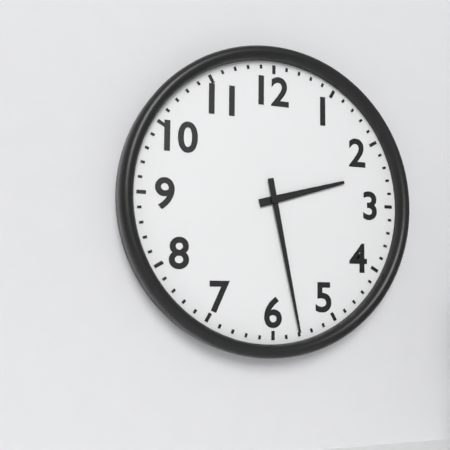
2:28
